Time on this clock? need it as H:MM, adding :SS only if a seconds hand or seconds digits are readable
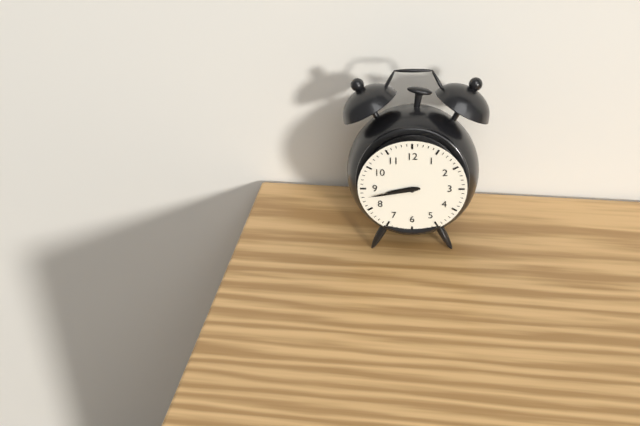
8:43
